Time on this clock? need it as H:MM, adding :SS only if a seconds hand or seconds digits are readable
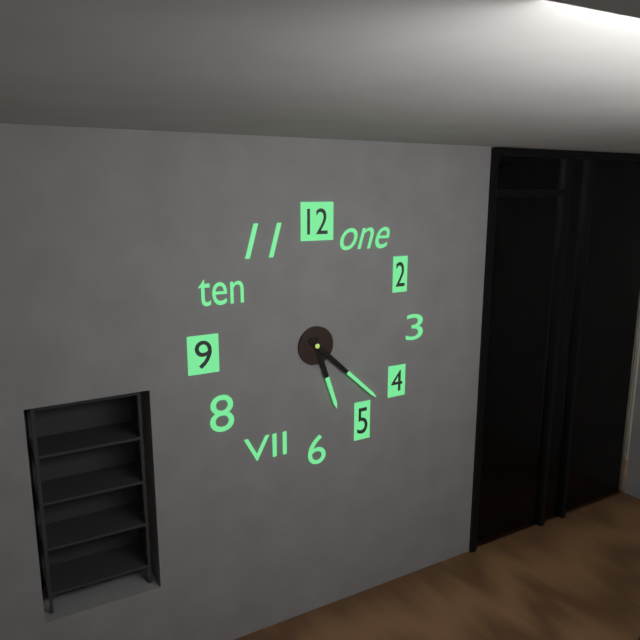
5:22
